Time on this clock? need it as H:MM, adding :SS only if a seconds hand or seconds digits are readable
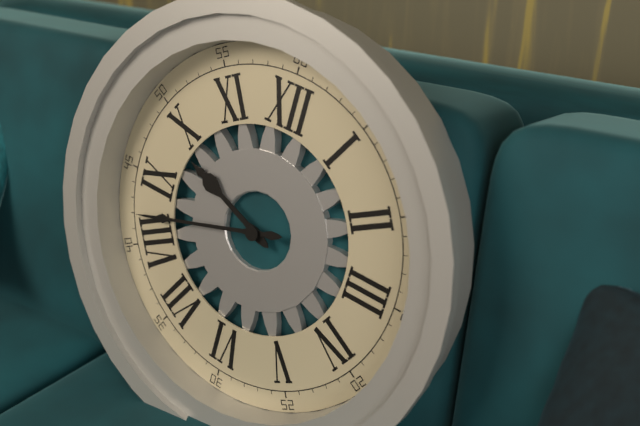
9:42
